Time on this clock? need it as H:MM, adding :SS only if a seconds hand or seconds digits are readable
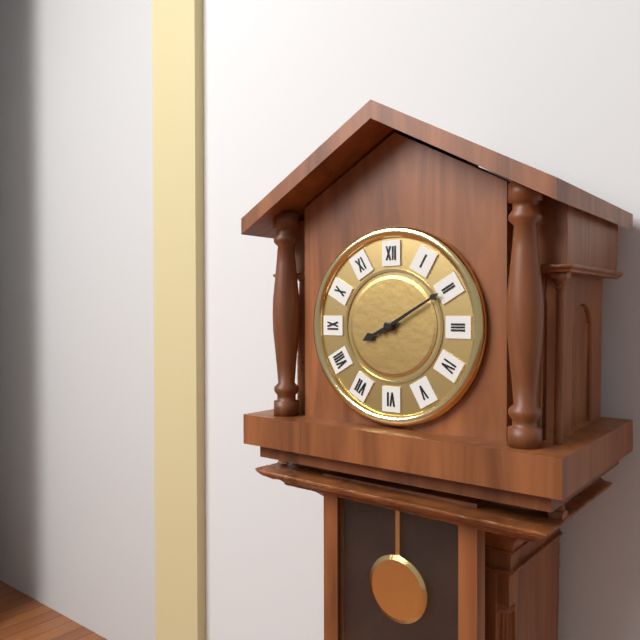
8:10
